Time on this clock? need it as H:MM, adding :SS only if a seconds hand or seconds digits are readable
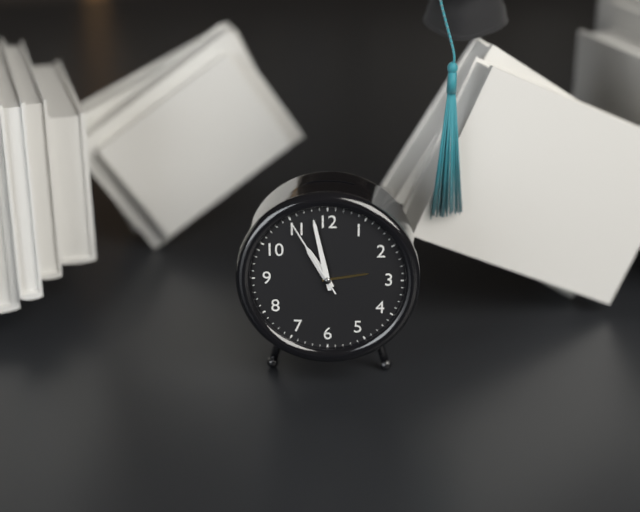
10:58:55
